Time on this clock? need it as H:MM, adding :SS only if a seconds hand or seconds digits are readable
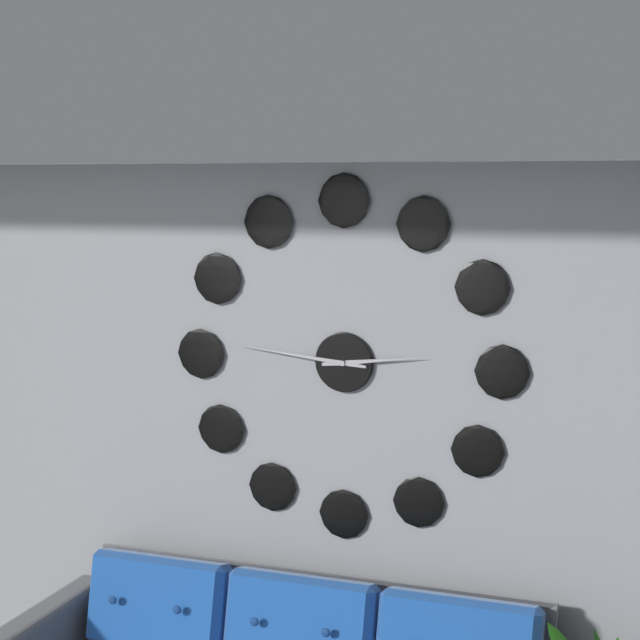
2:46
